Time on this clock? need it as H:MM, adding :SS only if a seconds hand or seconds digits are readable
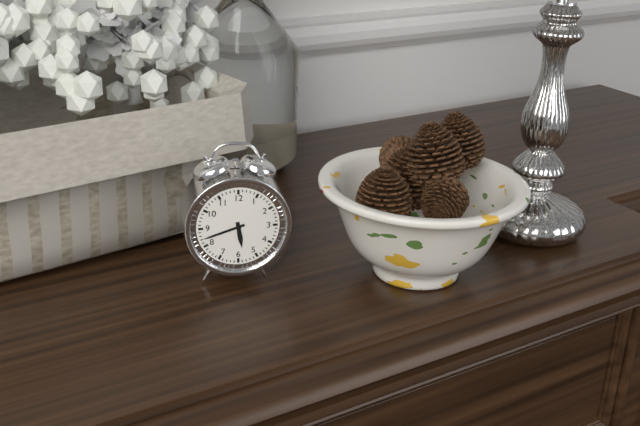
5:42
